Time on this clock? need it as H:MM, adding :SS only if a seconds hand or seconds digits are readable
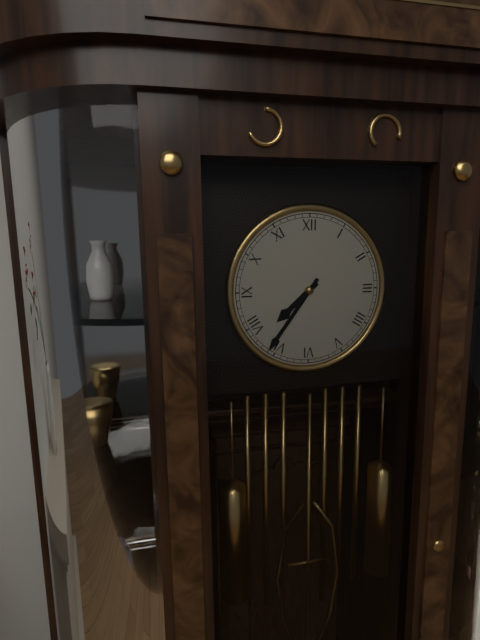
7:36
